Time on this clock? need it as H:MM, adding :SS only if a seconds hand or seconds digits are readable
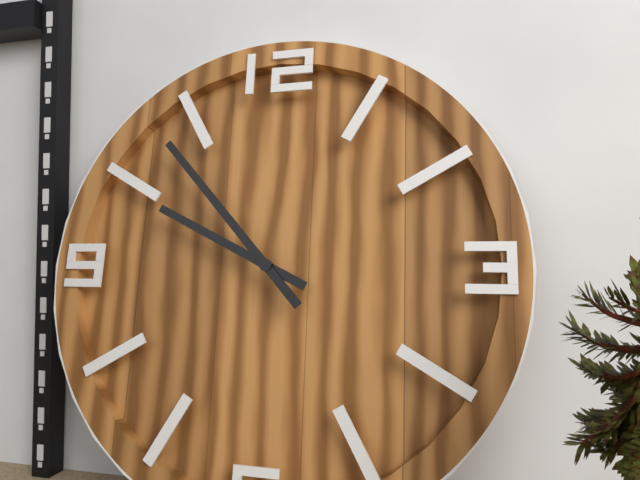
9:53
